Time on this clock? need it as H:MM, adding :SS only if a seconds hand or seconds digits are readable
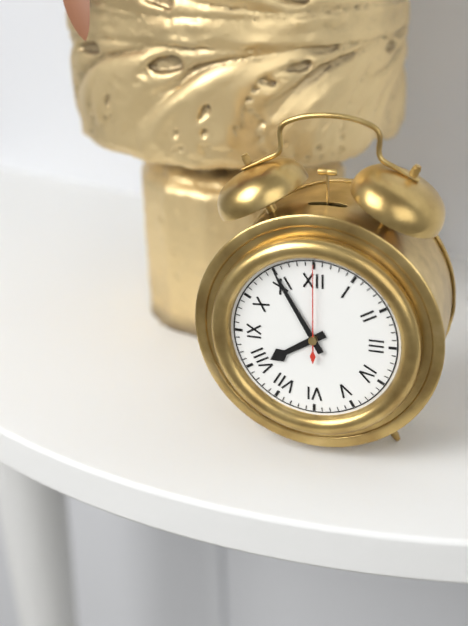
7:55:00
